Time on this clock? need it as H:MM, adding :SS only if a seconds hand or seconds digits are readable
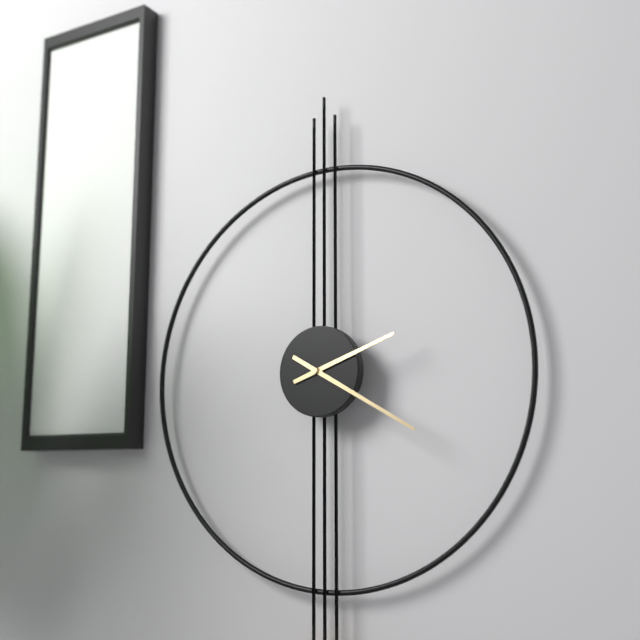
2:20
